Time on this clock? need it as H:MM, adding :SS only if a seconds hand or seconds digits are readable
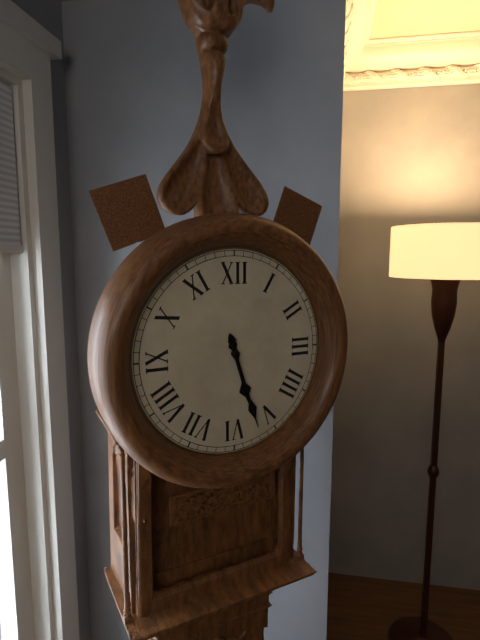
5:27
